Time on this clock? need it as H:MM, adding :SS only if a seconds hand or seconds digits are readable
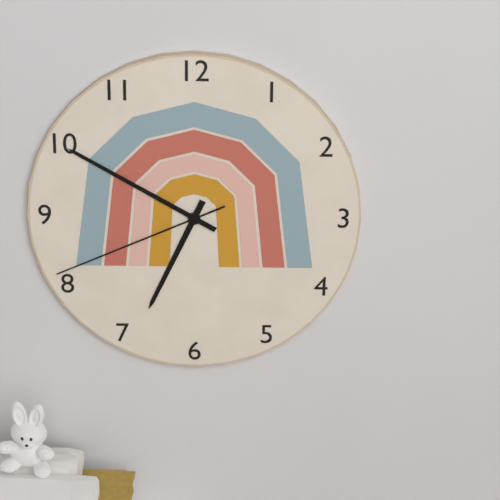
6:50:41
